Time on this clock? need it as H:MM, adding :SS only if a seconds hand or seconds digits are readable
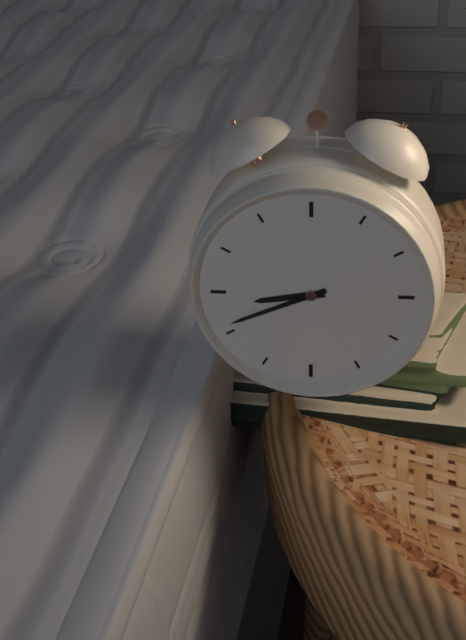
8:41
